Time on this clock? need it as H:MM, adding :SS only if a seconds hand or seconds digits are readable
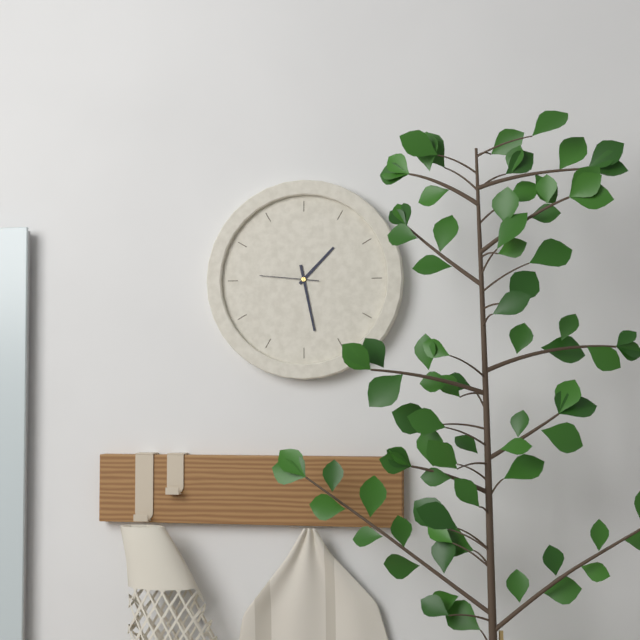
1:28:46
